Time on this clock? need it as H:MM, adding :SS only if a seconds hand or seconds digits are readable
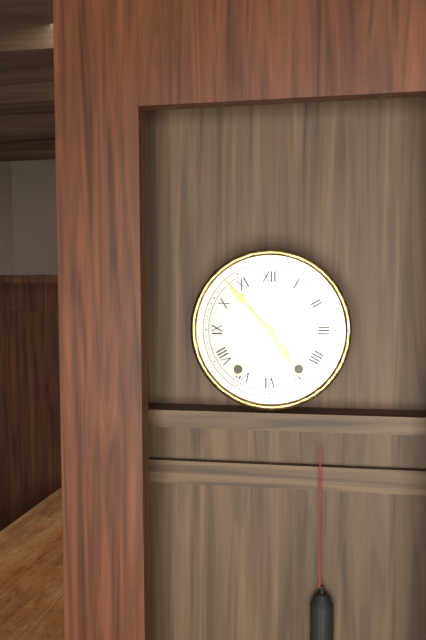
4:53
